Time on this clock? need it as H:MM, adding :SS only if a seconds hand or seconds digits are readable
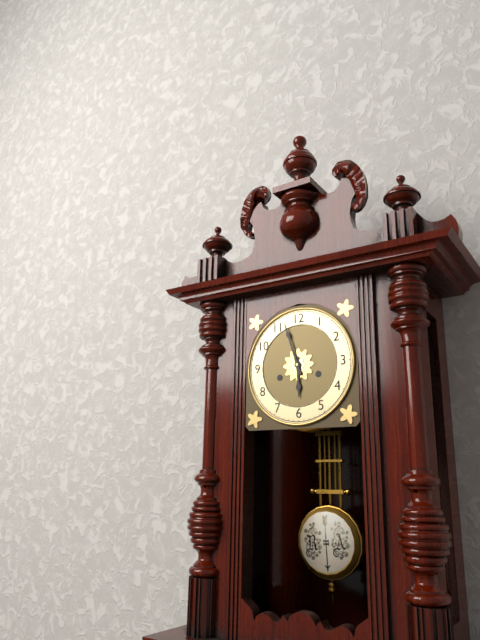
5:57
